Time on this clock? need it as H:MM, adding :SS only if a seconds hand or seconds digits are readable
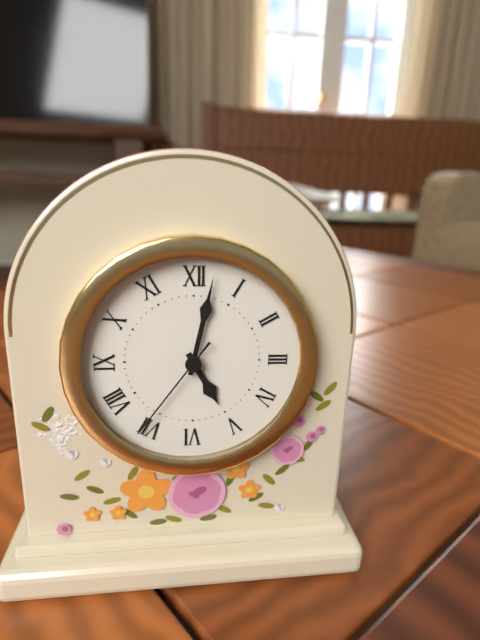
5:02:36
